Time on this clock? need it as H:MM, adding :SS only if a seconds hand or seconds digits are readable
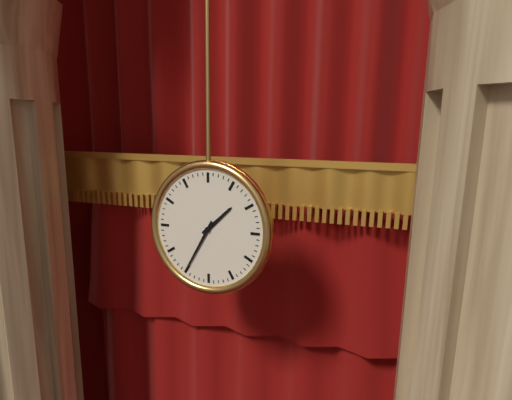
1:35
